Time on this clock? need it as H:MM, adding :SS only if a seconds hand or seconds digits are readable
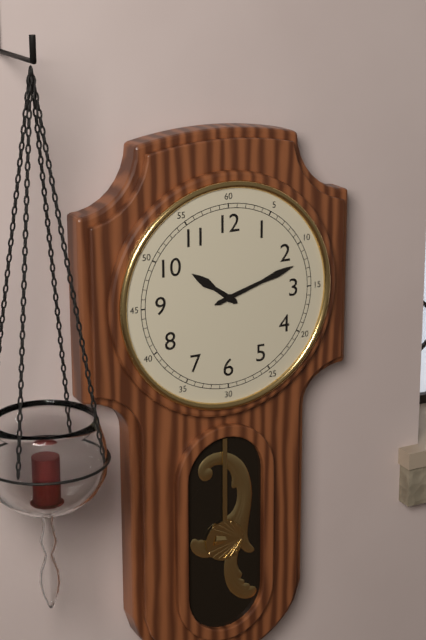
10:12
